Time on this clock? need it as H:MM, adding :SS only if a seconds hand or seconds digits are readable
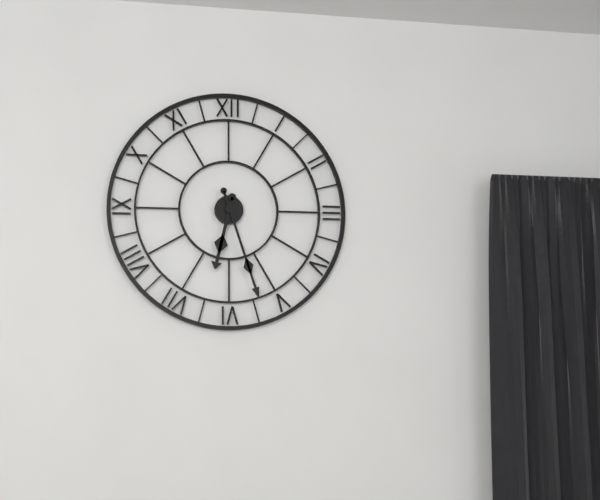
6:27
